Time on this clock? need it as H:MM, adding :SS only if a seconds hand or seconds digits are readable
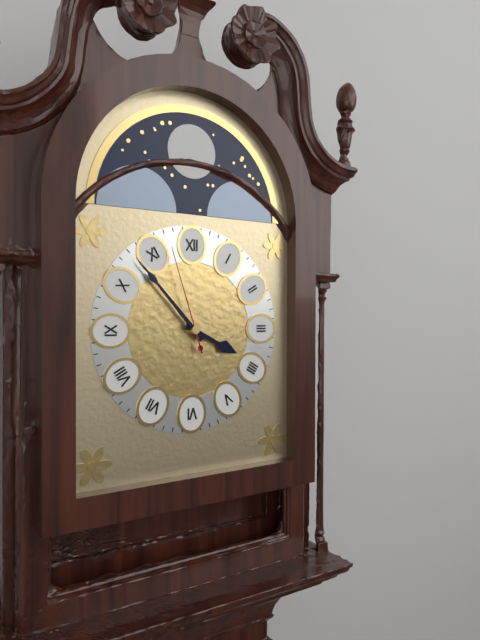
3:53:57
